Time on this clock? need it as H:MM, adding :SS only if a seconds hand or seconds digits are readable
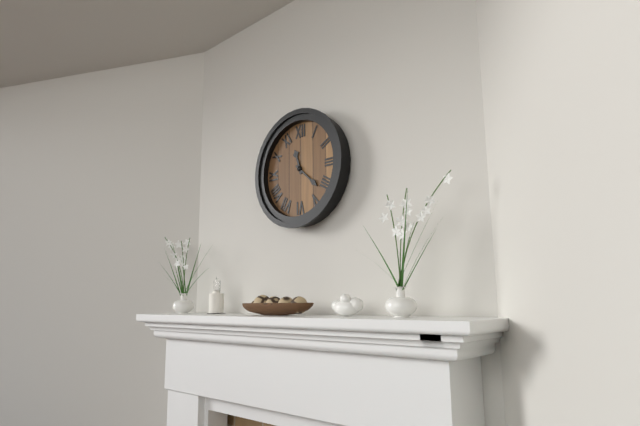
11:22
